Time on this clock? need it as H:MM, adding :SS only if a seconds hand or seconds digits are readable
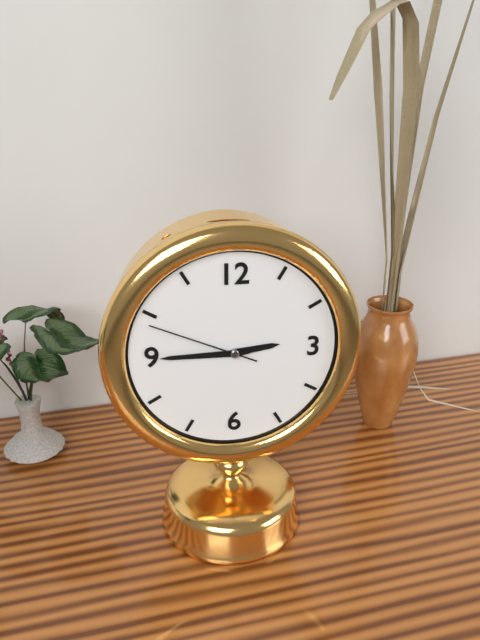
2:45:49
